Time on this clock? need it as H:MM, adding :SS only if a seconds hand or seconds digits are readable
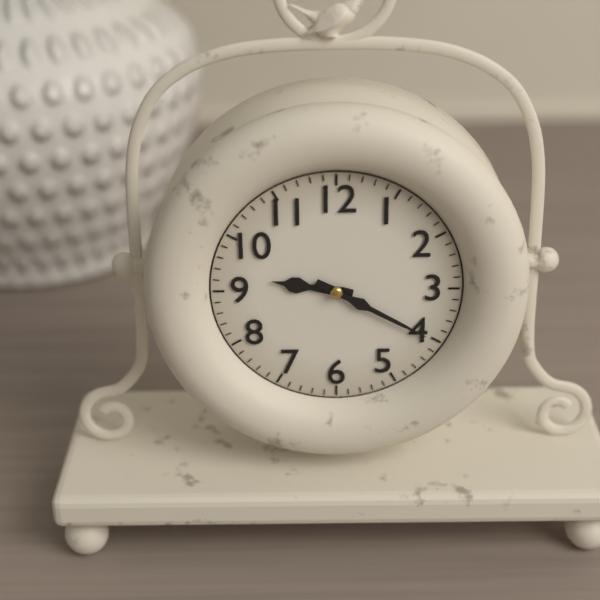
9:20
